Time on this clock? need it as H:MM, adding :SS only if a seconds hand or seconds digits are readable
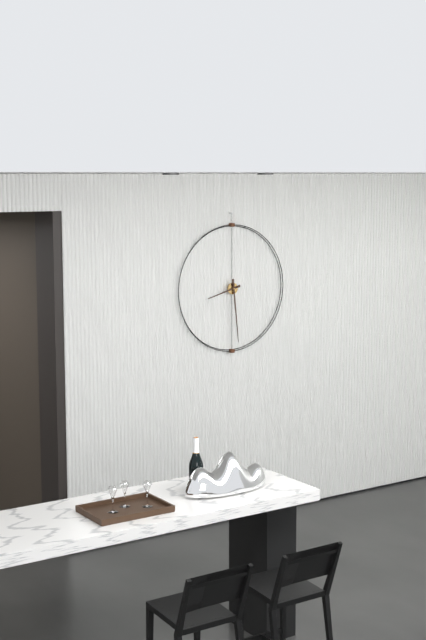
8:29
